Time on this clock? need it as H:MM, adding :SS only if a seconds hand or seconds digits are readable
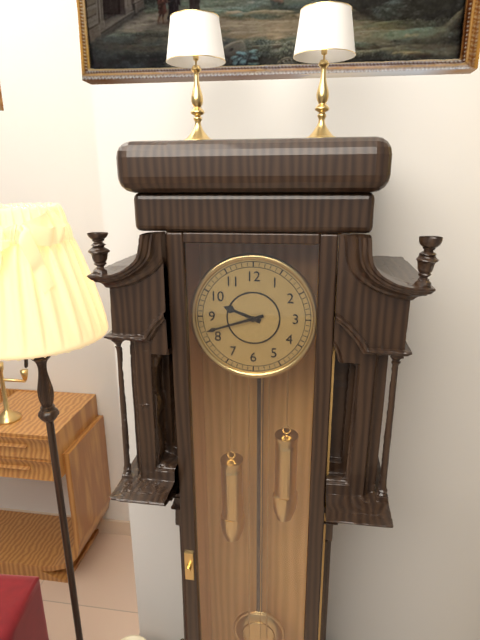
9:42
